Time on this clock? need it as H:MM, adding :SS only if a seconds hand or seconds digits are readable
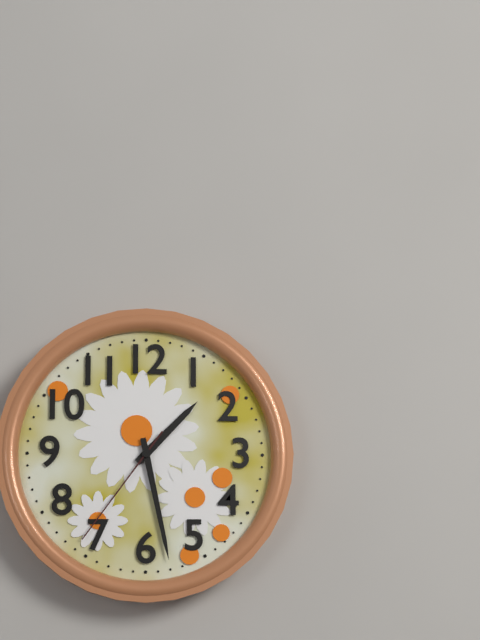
1:28:36
